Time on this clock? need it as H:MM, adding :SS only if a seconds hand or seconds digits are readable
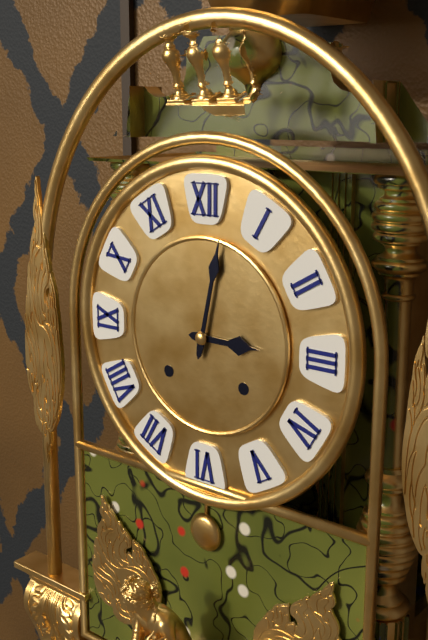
3:02
